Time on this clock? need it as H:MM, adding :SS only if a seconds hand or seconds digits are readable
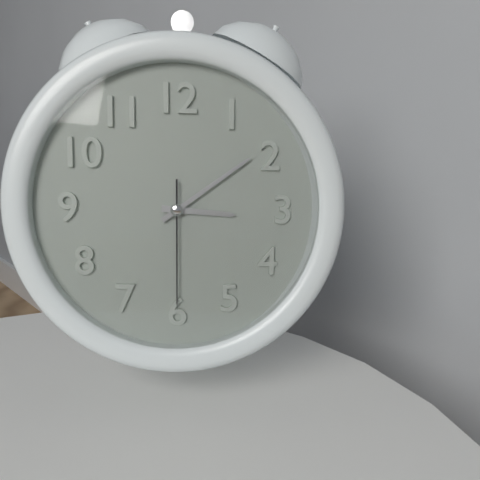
3:09:30
